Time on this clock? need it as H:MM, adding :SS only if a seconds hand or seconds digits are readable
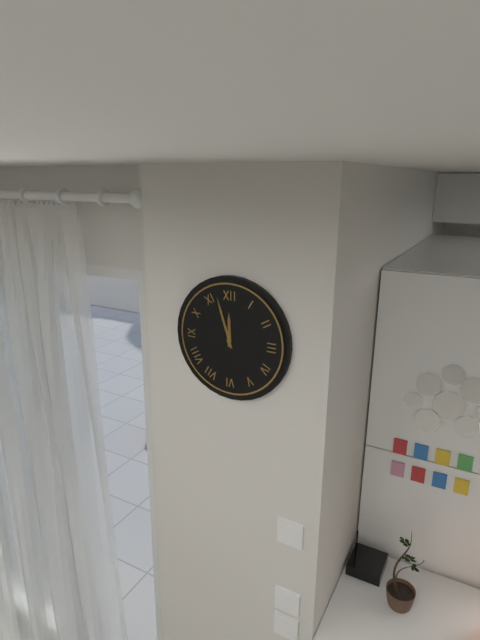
11:57
